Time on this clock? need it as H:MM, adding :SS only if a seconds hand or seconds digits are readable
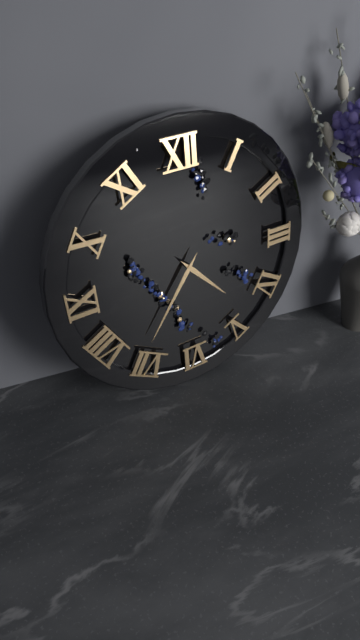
4:36
